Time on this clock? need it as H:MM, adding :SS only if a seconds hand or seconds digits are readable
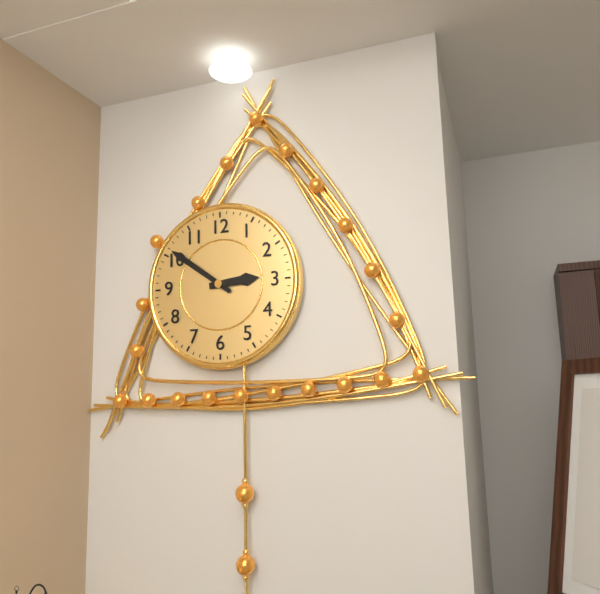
2:51
